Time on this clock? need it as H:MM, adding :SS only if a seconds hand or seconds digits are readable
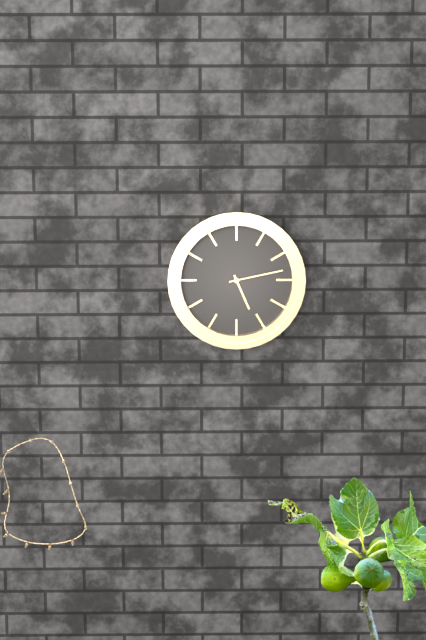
5:13
